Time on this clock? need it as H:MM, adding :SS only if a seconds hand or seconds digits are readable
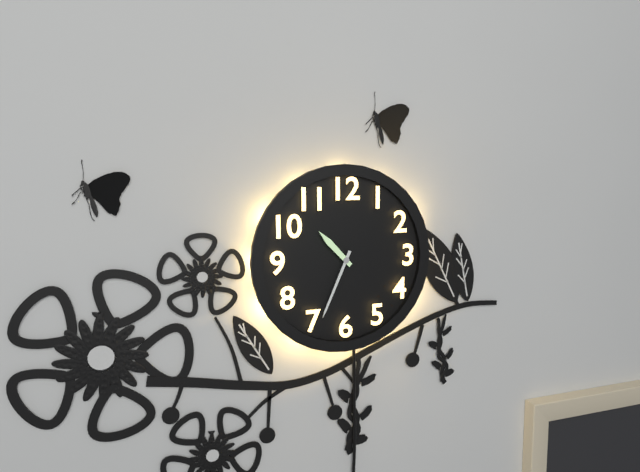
10:34
